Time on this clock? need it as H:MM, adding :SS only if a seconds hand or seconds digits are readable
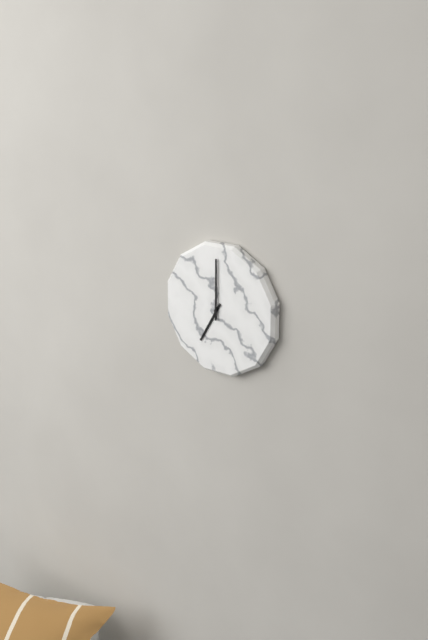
7:00
